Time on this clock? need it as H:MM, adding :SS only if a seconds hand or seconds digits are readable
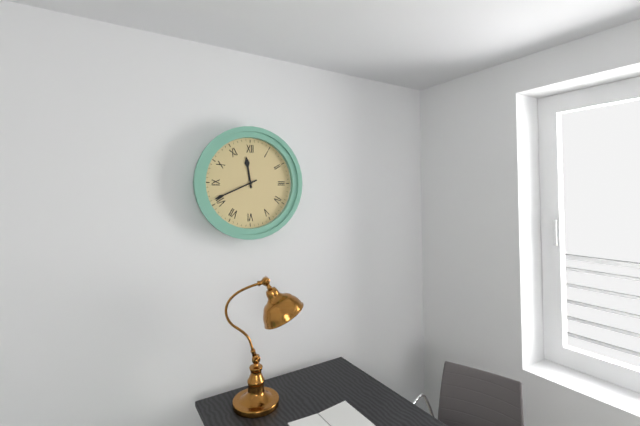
11:41
